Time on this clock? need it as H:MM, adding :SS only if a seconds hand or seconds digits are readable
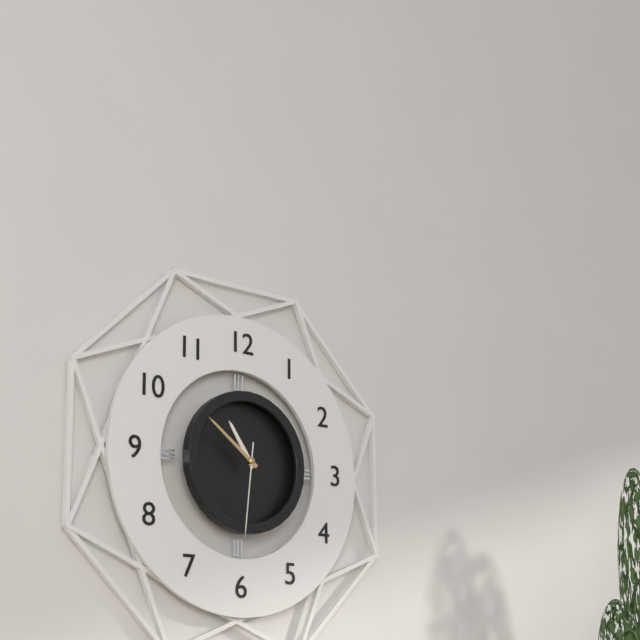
10:51:31
